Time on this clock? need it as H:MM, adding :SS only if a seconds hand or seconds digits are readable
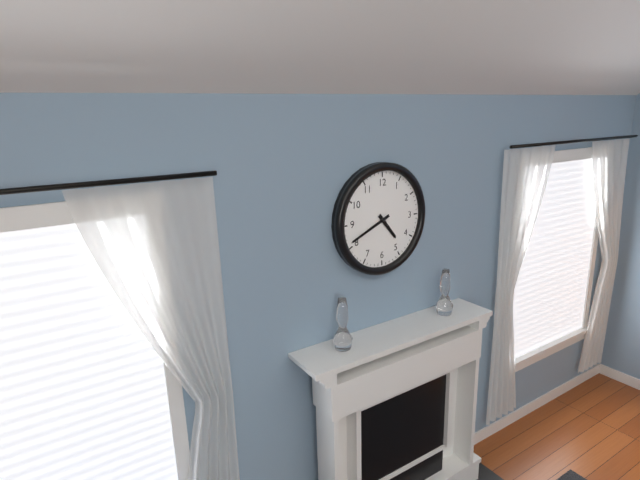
4:41
